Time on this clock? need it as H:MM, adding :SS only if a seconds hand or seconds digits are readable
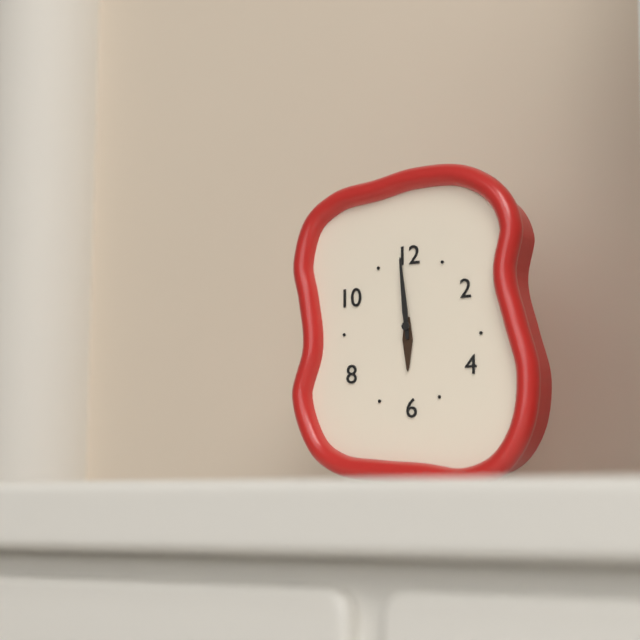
5:59
